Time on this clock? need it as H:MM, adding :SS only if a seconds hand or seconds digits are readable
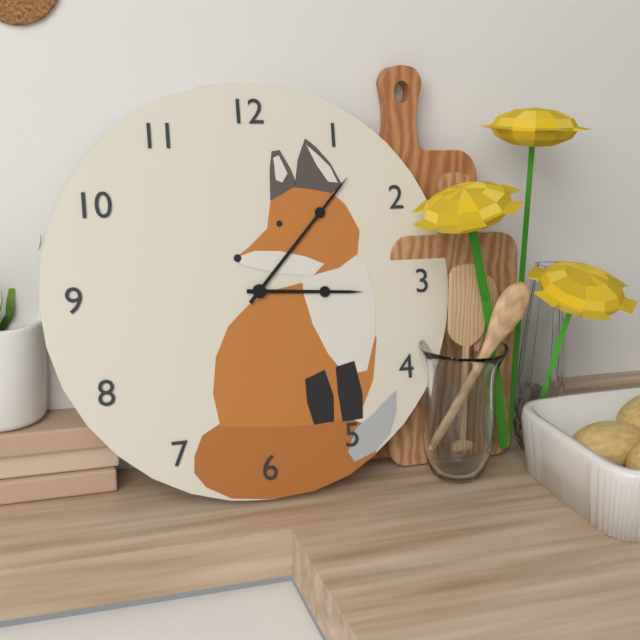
3:07
